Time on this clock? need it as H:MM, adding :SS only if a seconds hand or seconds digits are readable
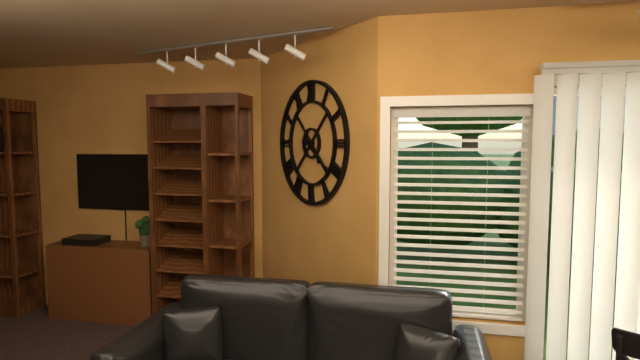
4:21
